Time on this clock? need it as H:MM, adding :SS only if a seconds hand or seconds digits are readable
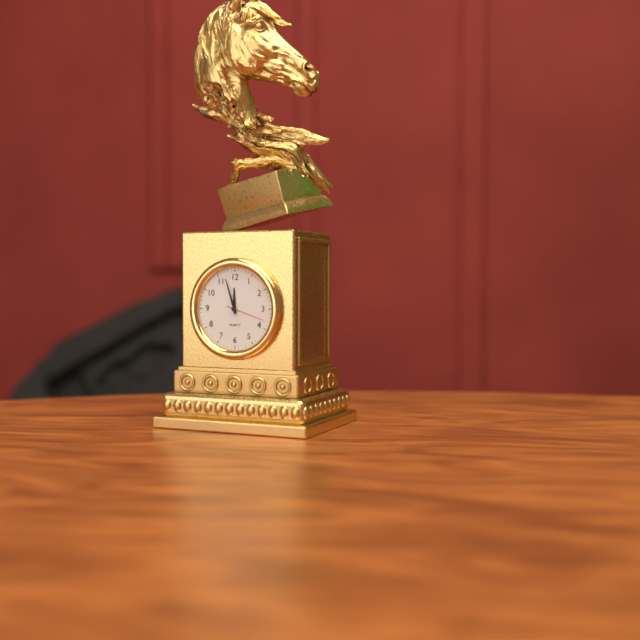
11:57
